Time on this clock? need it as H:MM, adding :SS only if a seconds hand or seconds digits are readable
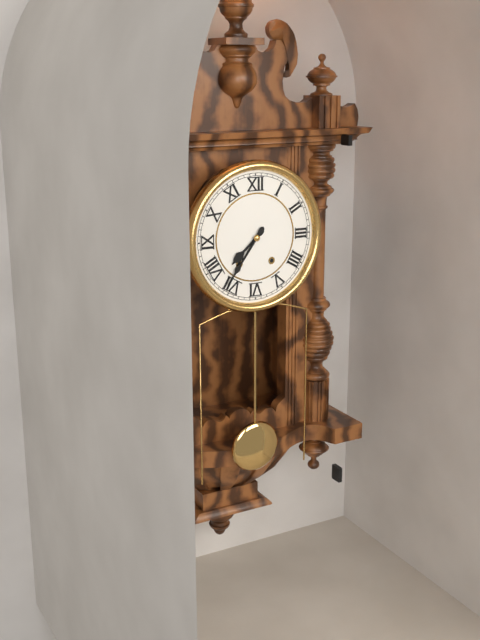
7:36
